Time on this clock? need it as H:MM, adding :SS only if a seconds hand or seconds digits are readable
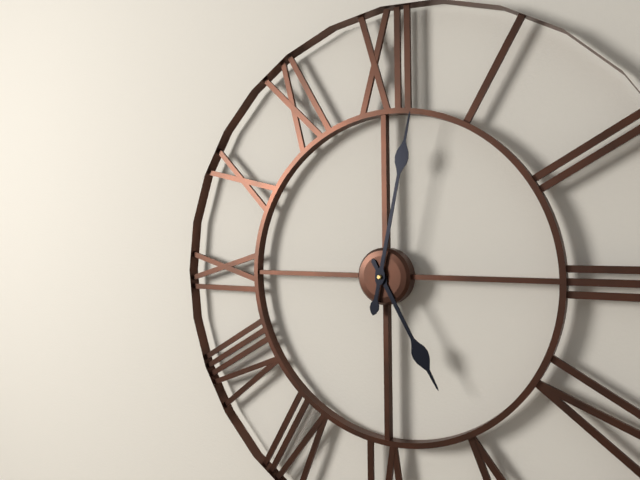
5:02
